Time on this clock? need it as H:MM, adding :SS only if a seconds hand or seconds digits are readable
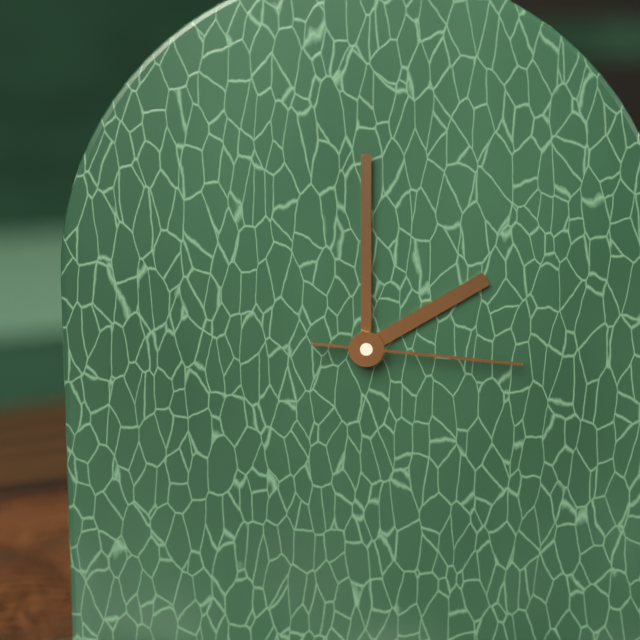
2:00:16
